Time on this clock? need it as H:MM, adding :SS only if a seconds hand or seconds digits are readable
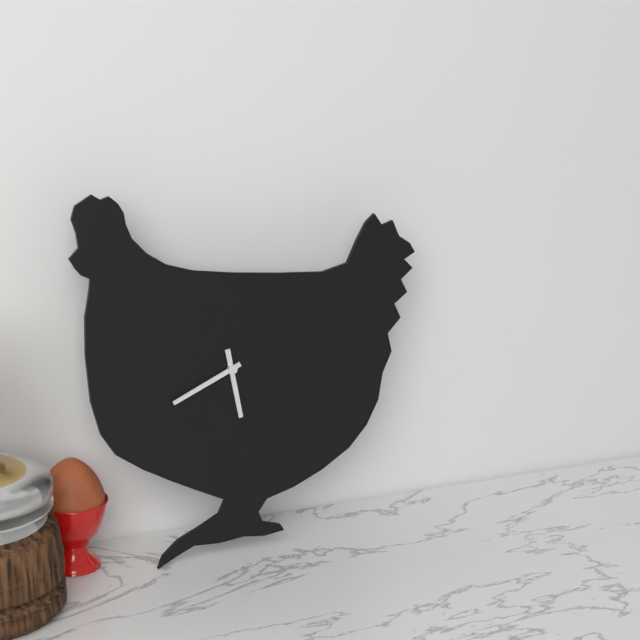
5:41
